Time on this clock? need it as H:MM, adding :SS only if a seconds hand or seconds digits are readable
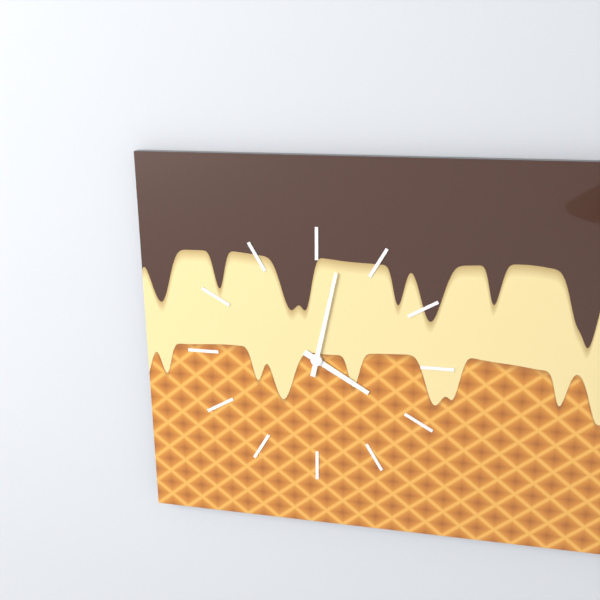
4:02
